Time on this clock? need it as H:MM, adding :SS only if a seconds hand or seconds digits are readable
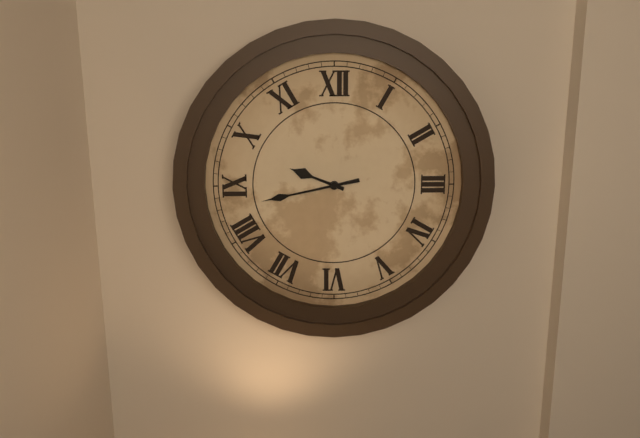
9:43
